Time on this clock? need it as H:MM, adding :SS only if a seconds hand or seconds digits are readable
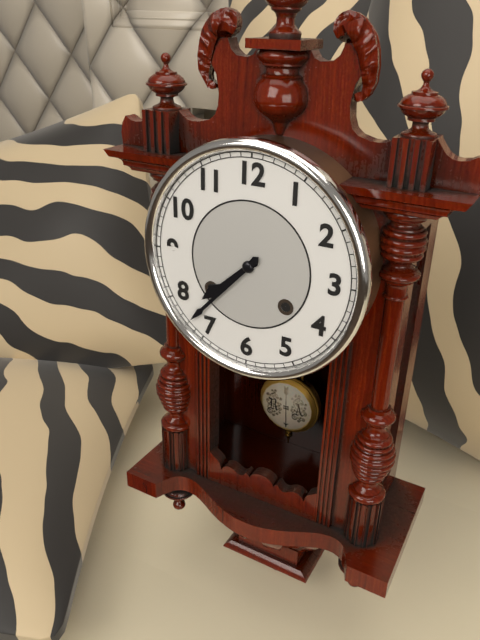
7:37
